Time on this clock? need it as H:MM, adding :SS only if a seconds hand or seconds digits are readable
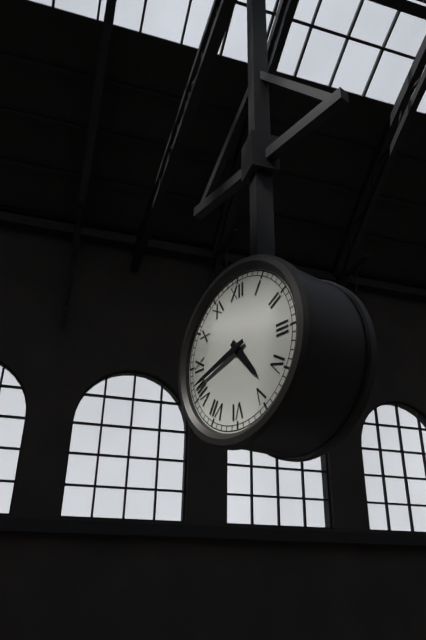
4:42
